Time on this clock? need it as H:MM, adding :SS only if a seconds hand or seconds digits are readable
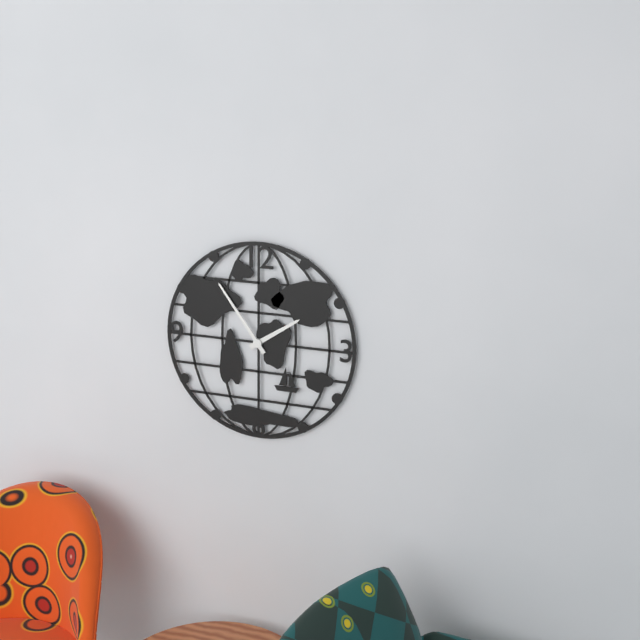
1:54
